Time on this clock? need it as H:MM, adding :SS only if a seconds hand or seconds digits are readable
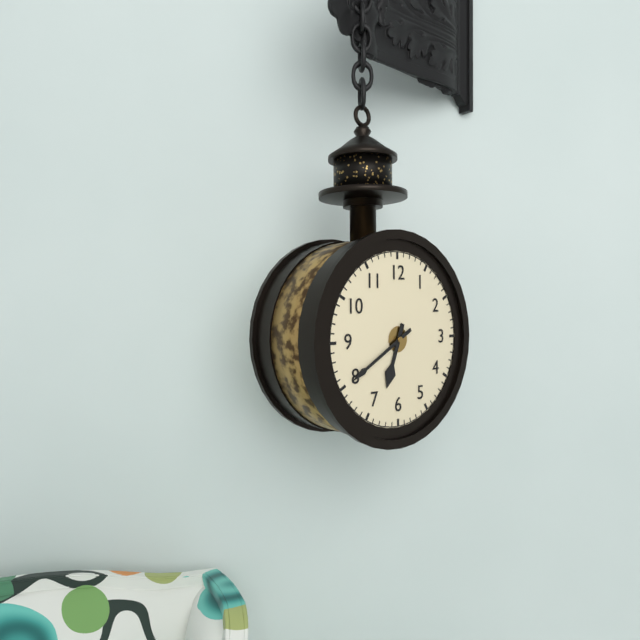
6:40
